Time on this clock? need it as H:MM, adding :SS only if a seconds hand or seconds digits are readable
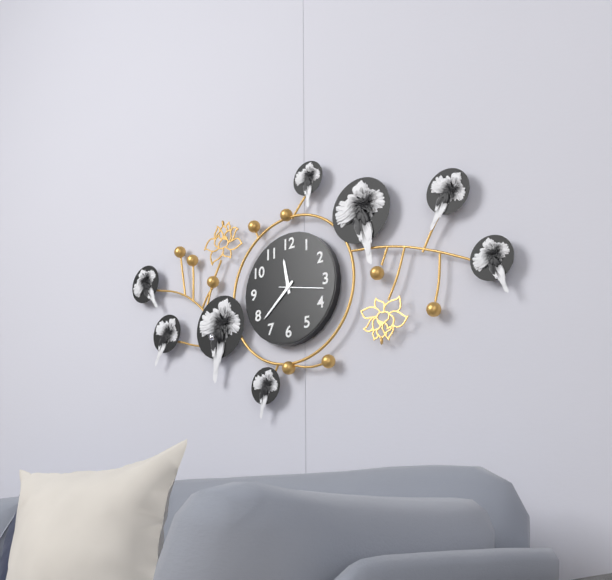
11:38
